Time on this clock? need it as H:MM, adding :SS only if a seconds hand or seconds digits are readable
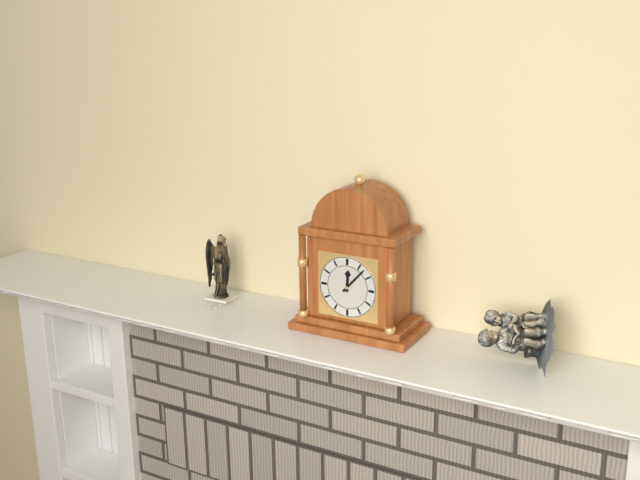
12:07
